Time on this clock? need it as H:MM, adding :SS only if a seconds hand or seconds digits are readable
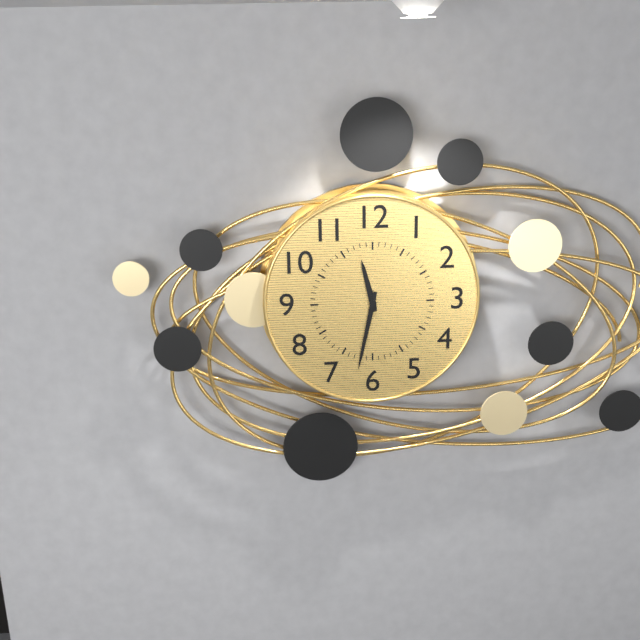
11:32
